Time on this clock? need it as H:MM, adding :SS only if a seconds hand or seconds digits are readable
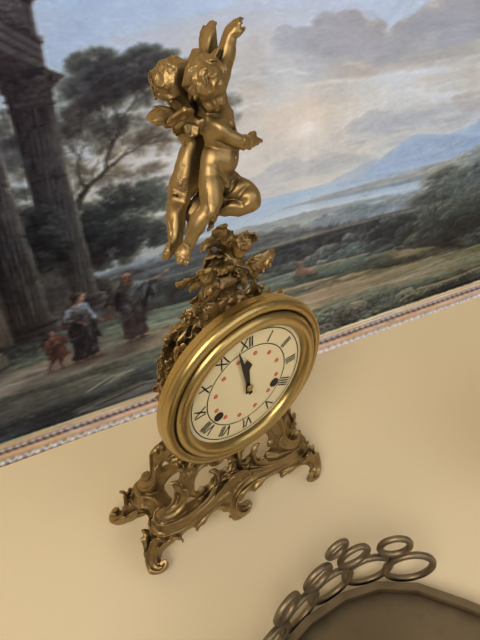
11:58
